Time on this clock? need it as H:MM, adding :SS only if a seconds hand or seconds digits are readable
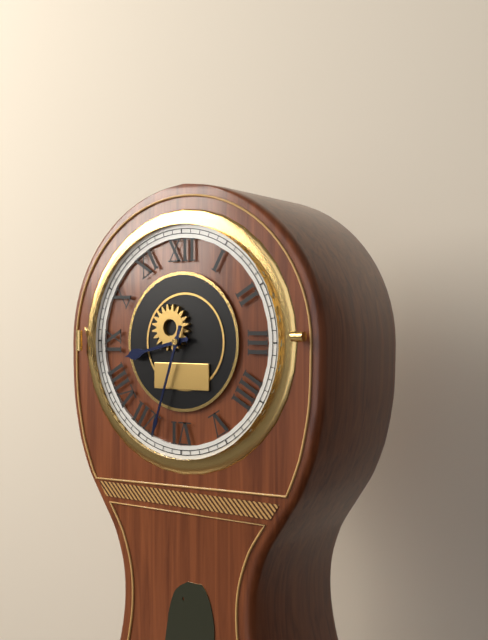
8:33
